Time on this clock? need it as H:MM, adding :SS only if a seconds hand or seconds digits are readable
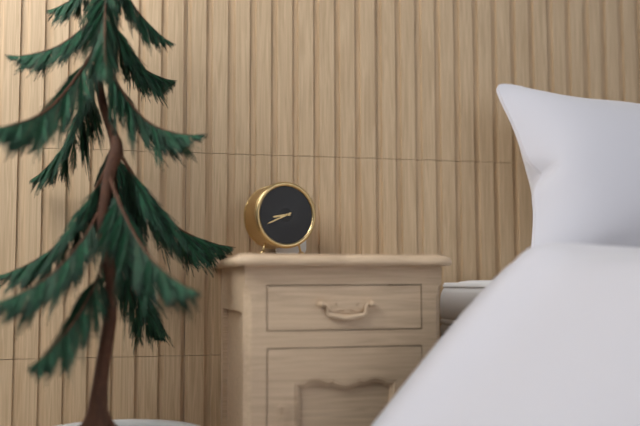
8:41
